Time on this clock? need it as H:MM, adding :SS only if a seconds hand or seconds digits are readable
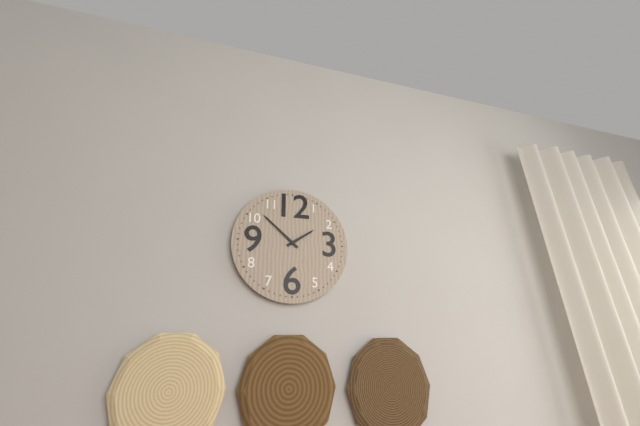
1:52
